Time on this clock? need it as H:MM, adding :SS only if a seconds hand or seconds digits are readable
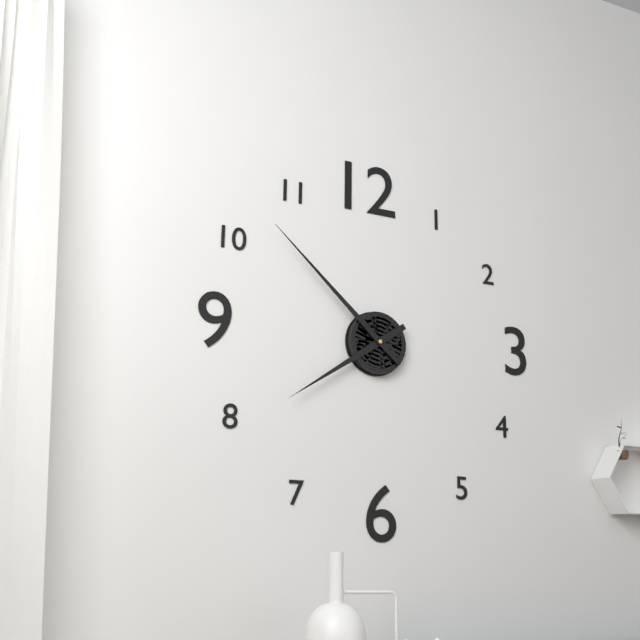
7:52
